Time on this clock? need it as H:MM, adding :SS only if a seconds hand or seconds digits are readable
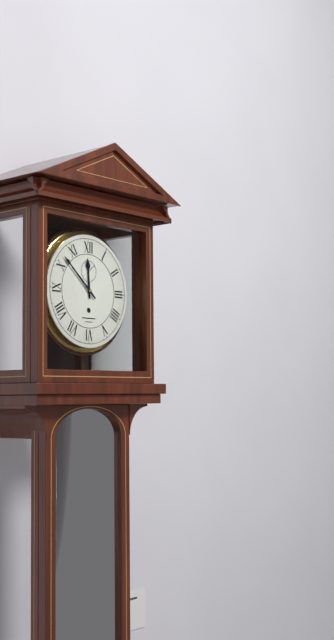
11:52
